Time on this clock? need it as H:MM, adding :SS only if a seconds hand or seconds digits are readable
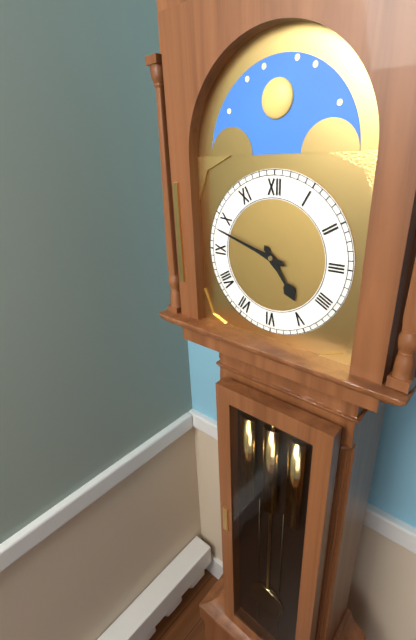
4:48
